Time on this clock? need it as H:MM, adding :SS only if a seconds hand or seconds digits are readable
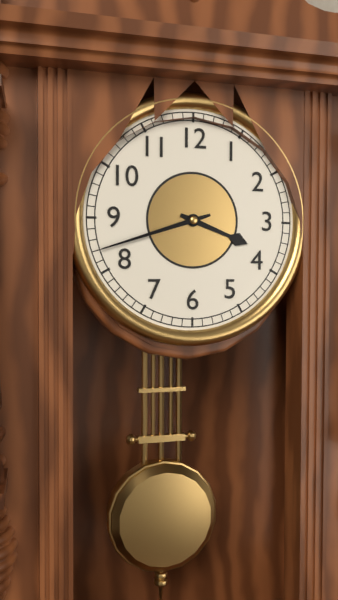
3:42
